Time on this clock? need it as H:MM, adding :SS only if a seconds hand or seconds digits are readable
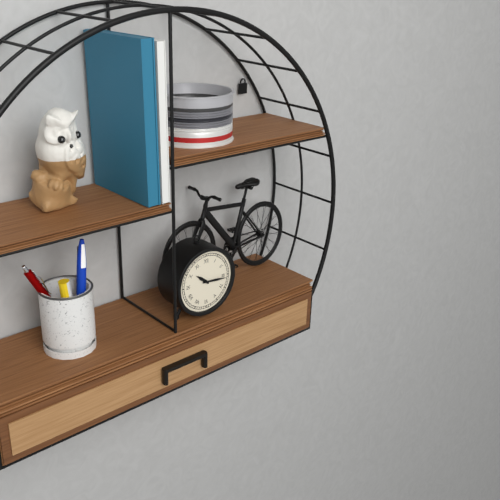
10:16
